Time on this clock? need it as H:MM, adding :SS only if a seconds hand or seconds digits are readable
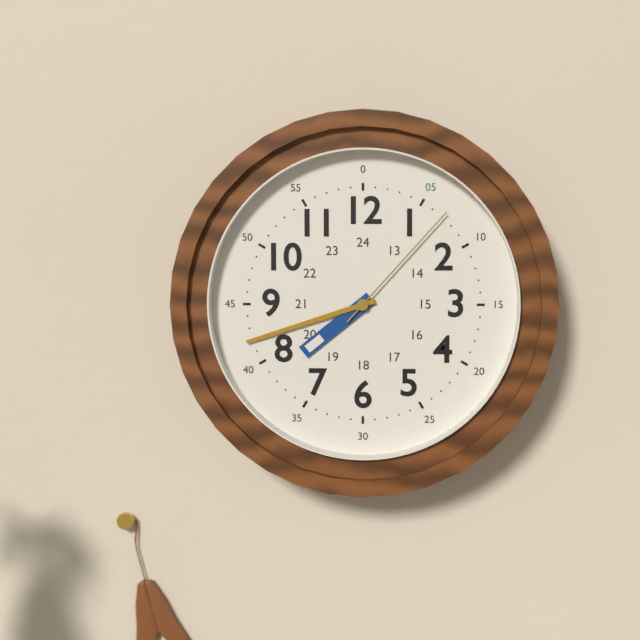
7:42:07
